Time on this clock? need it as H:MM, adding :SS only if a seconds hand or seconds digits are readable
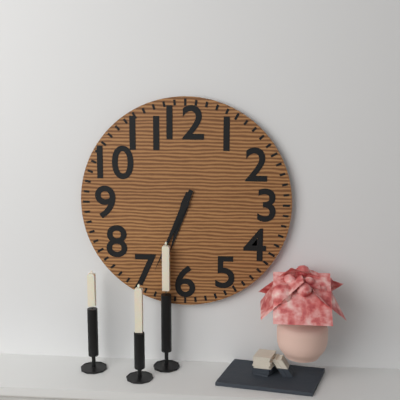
6:34
